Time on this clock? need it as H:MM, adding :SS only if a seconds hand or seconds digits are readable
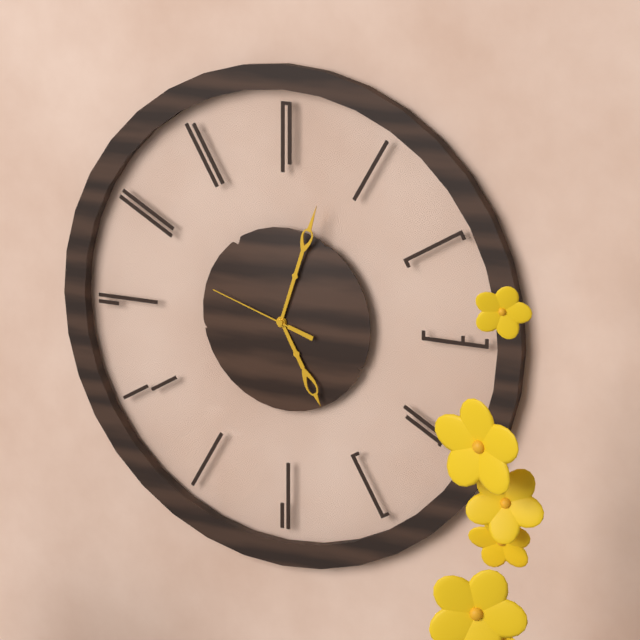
5:03:48
